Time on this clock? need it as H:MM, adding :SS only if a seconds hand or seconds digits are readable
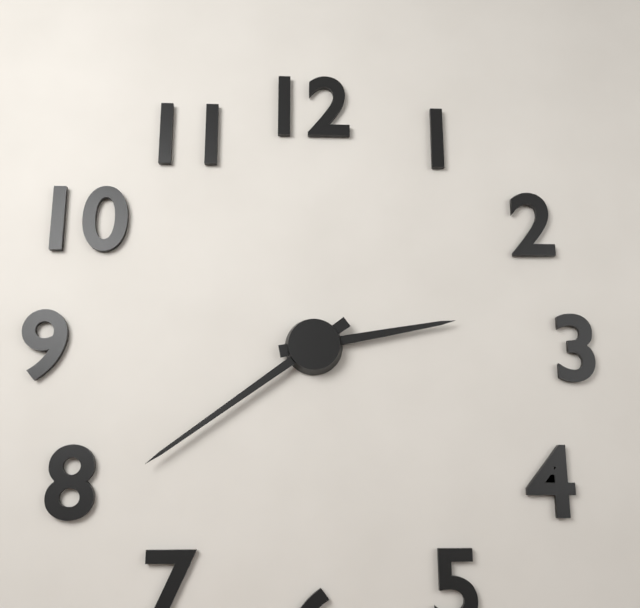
2:39
